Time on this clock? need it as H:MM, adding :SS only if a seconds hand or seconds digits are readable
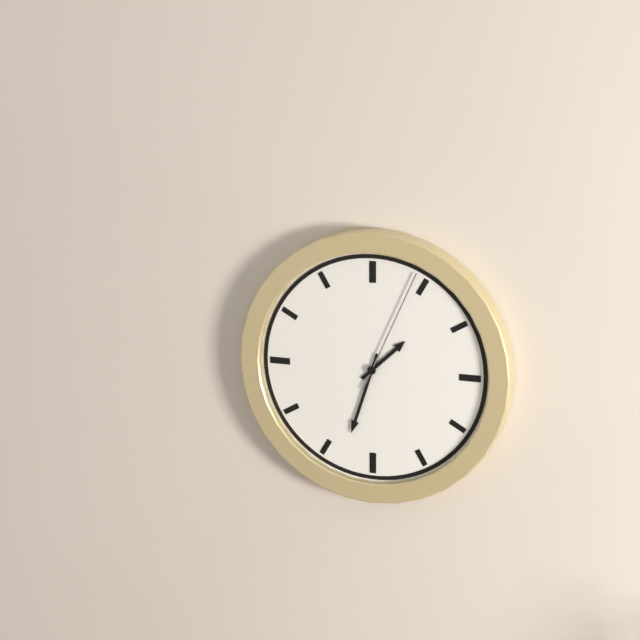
1:33:04
